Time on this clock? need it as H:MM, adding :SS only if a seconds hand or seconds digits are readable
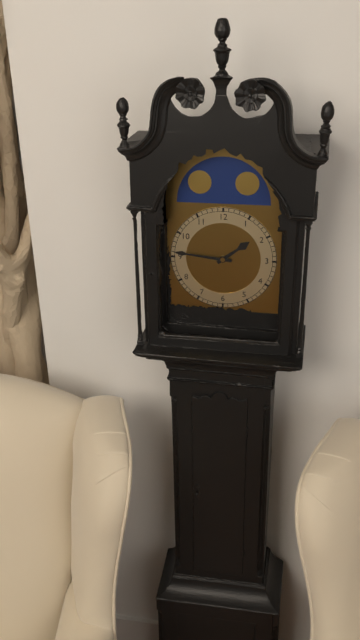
1:46
